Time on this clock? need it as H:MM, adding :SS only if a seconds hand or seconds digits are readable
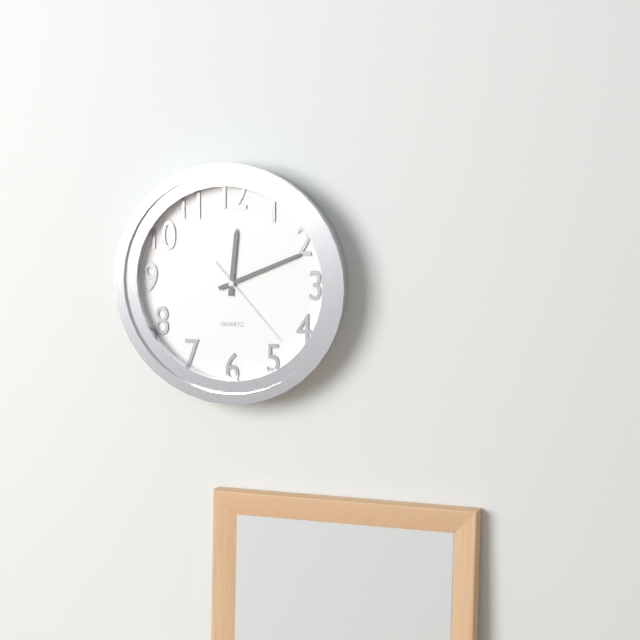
12:11:23
